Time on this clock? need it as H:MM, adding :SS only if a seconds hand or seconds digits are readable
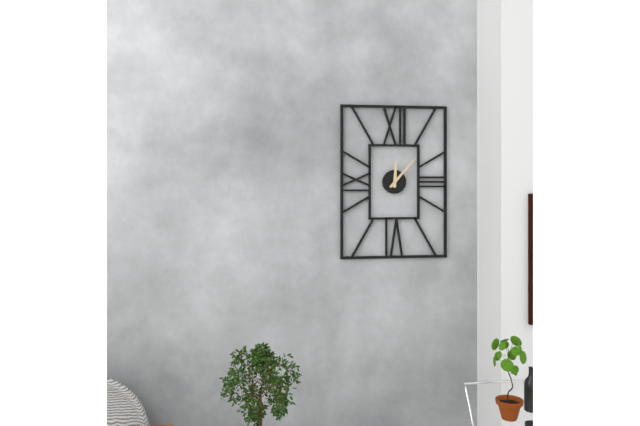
12:07
